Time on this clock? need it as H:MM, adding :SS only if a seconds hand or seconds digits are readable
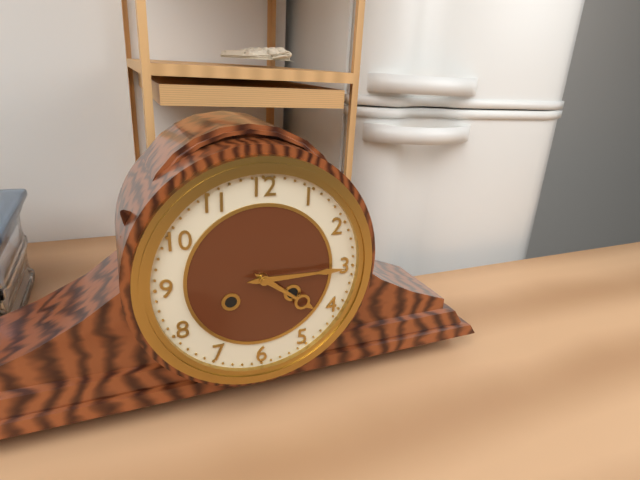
4:15
